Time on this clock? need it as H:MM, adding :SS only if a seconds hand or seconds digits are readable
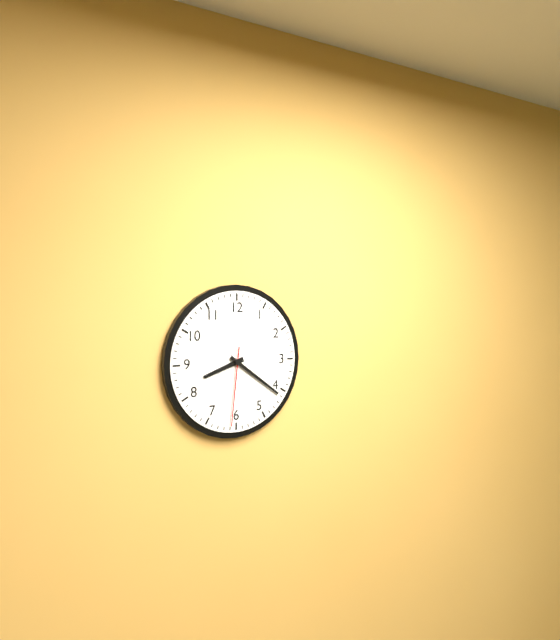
8:21:31
